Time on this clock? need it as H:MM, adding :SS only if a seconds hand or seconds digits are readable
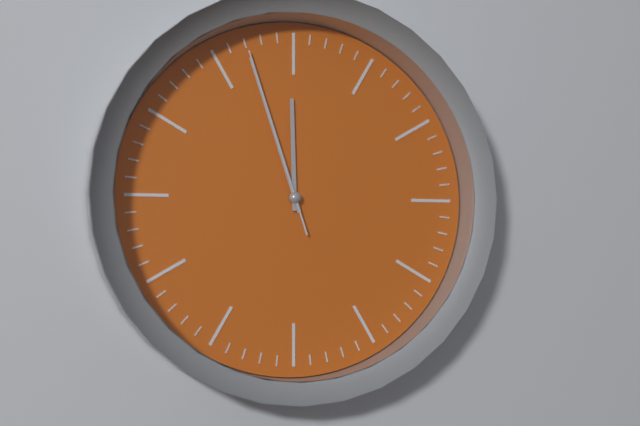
11:57:57
